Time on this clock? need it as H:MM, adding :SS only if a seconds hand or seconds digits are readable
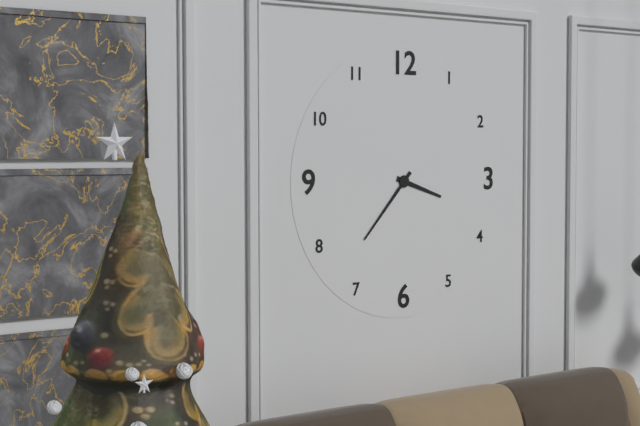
3:37
